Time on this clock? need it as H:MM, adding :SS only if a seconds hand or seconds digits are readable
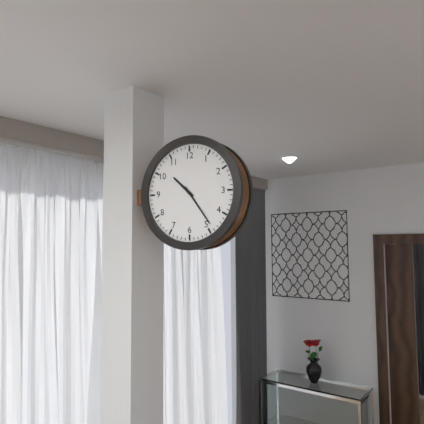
10:24
